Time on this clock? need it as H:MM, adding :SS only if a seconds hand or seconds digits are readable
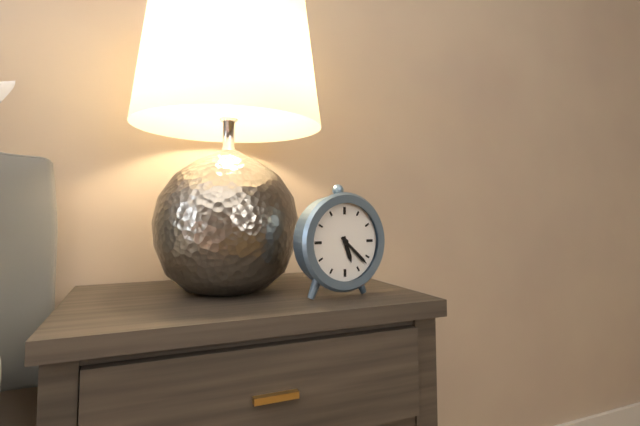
5:22
